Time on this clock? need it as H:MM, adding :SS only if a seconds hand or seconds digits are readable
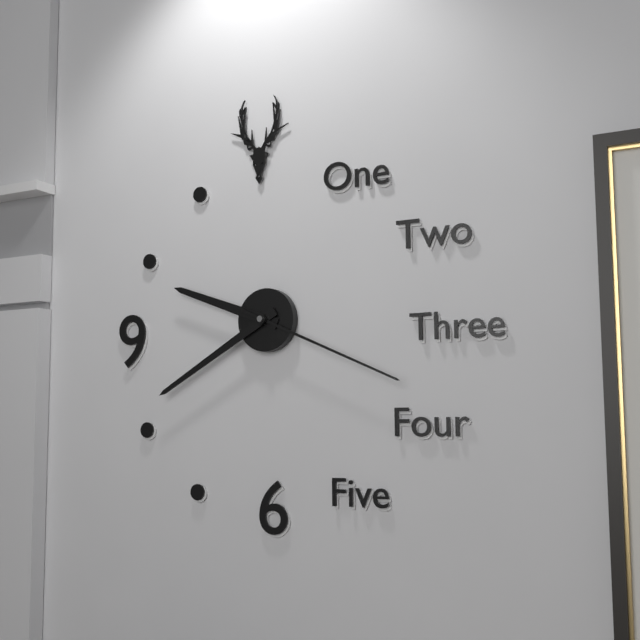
9:40:19
